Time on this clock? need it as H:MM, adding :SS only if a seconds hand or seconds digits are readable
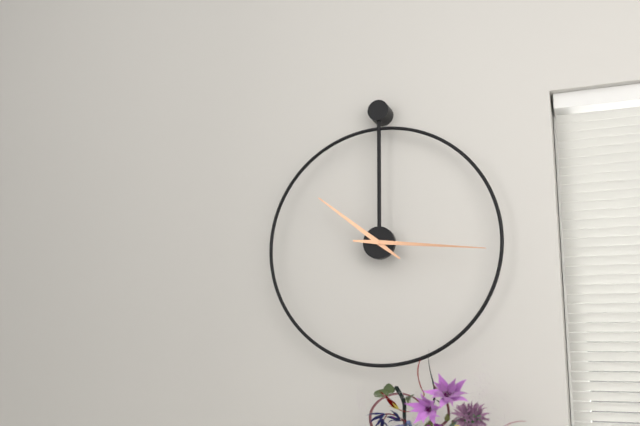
10:16
